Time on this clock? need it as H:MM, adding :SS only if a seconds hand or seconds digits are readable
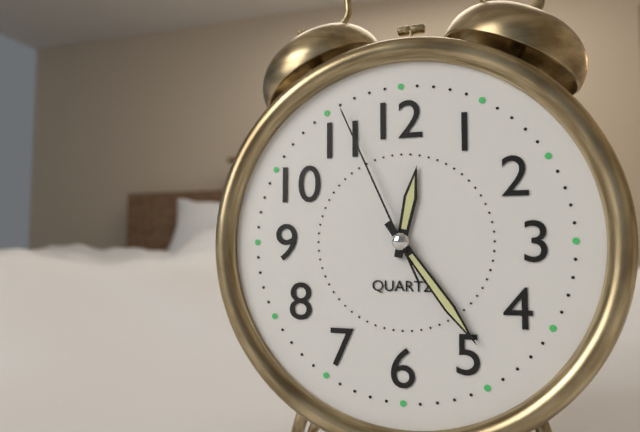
12:24:56
